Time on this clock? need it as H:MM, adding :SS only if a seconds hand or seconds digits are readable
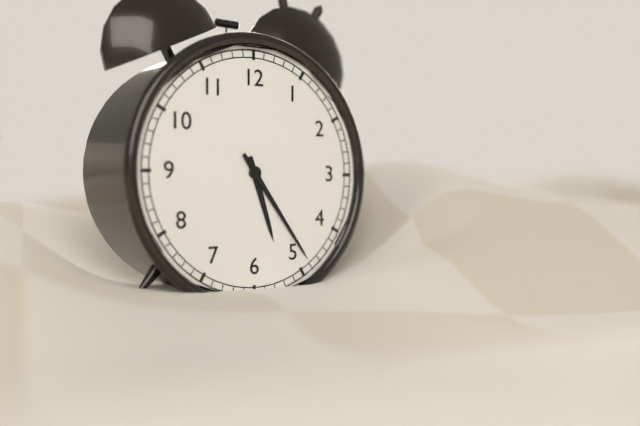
5:24
